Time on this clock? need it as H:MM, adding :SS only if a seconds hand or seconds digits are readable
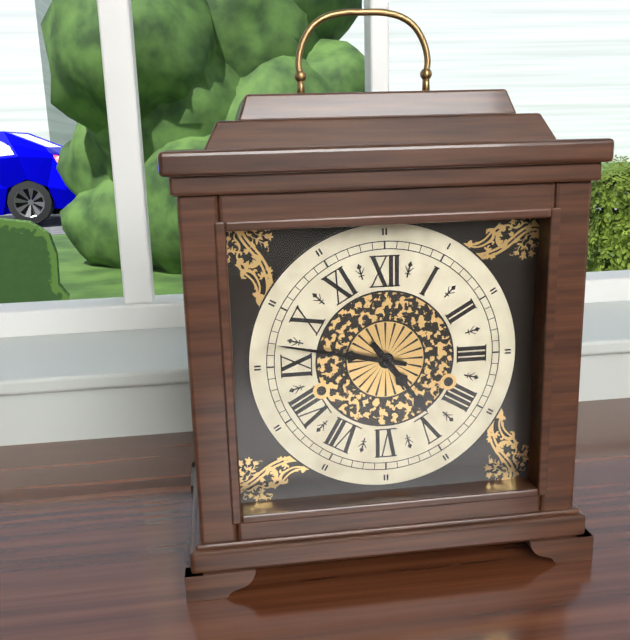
4:47
